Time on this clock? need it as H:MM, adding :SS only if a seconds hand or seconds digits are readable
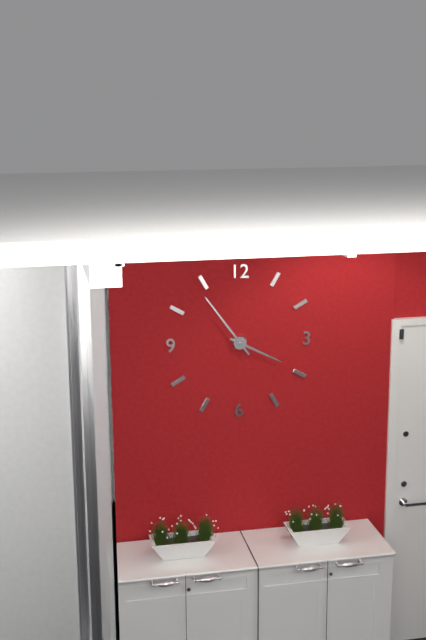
3:54
